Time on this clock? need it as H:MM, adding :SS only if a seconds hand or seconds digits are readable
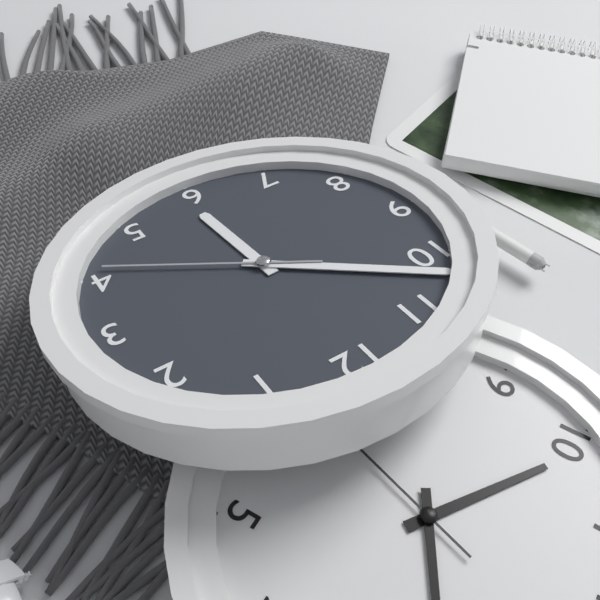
5:52:21
